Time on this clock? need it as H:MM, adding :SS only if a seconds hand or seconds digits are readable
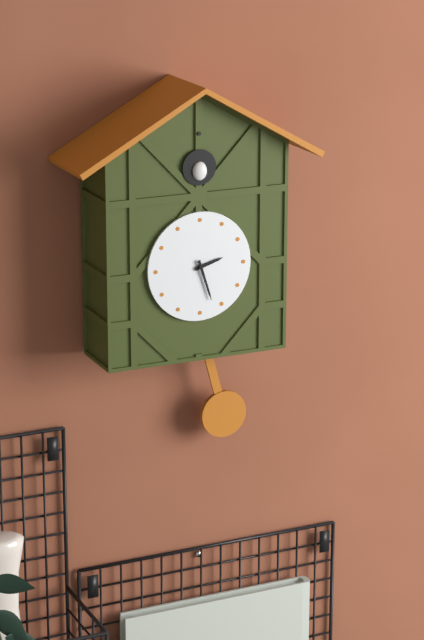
2:27
